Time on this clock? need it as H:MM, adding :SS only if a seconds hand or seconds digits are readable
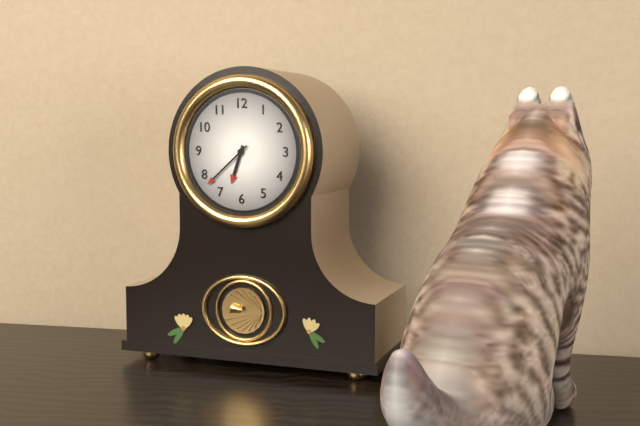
6:38
